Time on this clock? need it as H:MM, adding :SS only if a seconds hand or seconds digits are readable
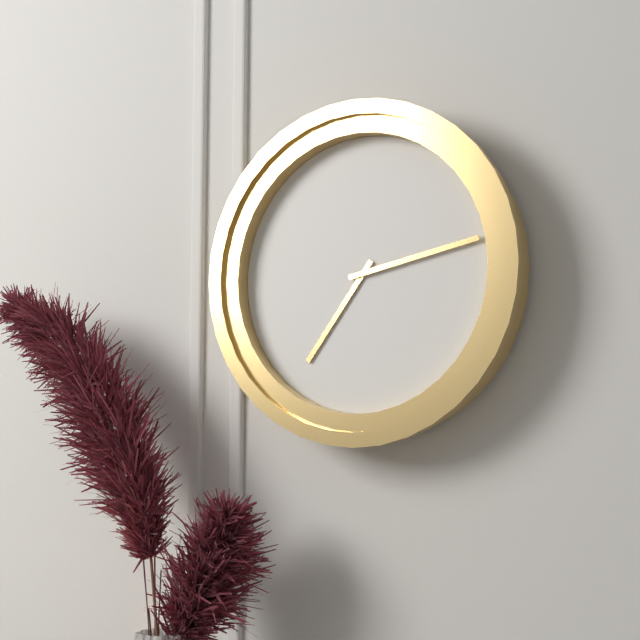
7:13
